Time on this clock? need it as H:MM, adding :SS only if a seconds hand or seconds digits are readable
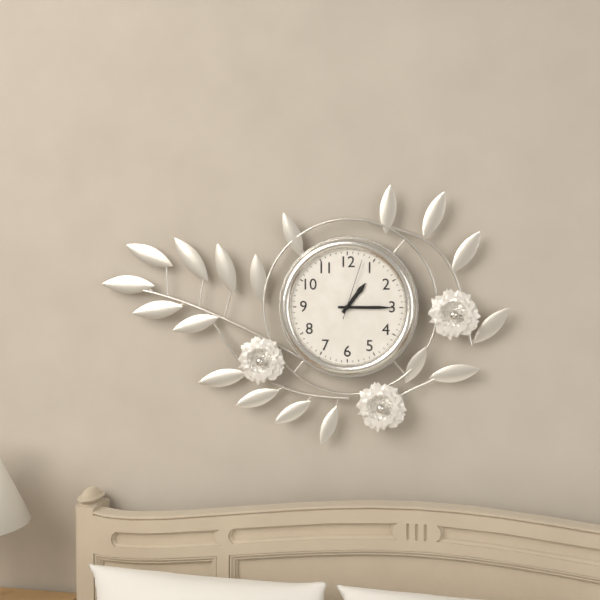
1:15:03
